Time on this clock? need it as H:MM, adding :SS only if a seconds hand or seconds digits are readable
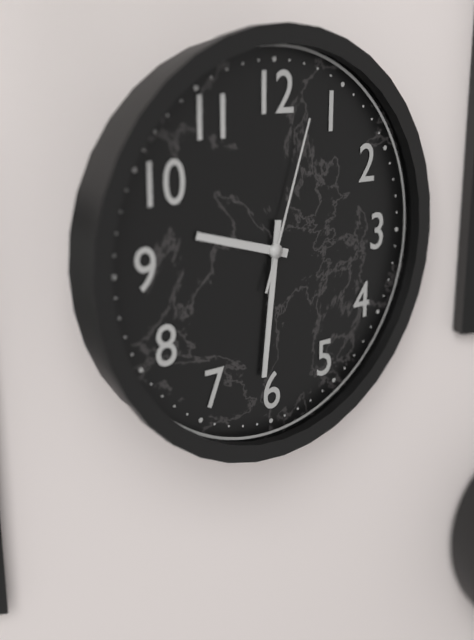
9:31:03
